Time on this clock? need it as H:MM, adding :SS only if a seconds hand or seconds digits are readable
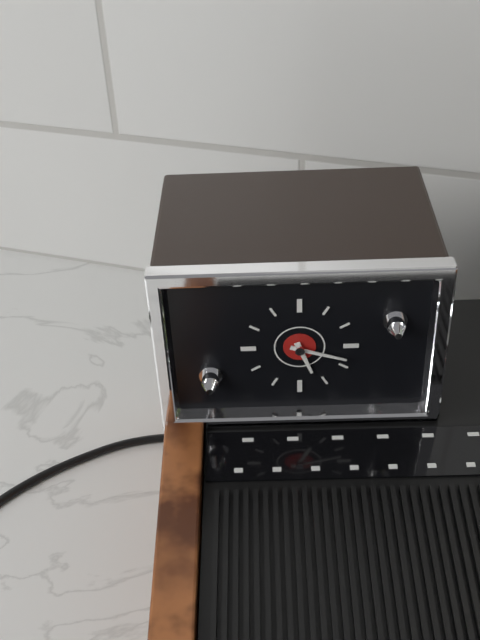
5:18
